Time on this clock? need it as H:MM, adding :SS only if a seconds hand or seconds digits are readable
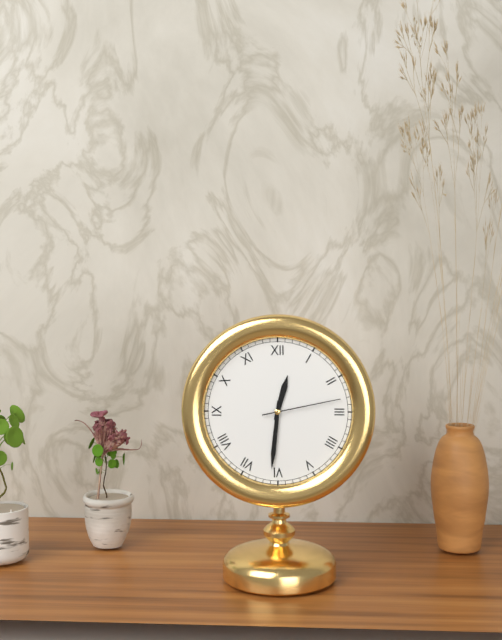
12:31:13
